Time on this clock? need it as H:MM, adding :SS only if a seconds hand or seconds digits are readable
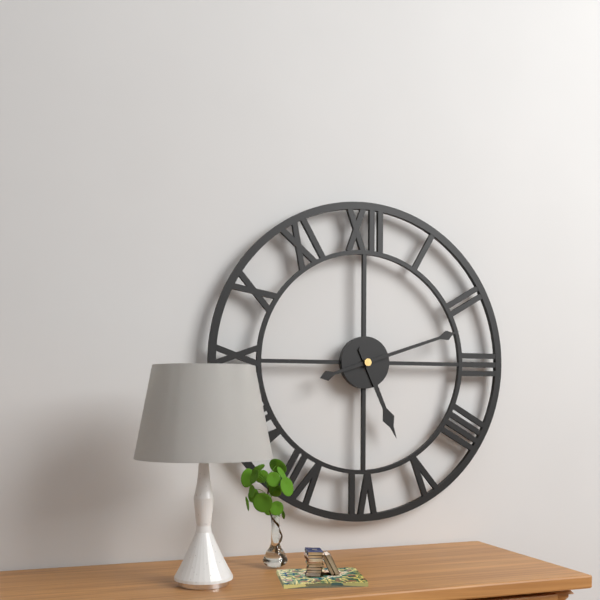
5:12
